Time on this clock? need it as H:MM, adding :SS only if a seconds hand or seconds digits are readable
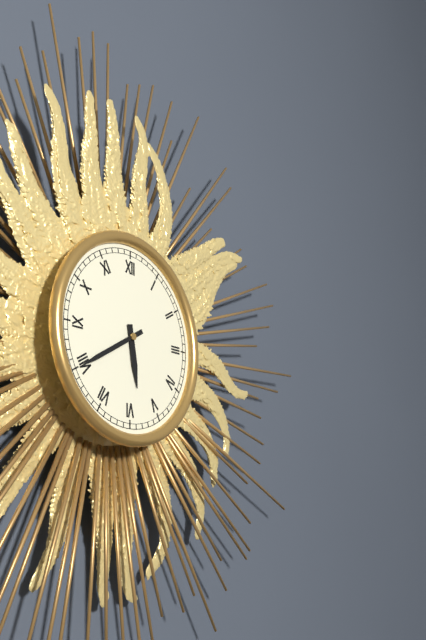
5:40
